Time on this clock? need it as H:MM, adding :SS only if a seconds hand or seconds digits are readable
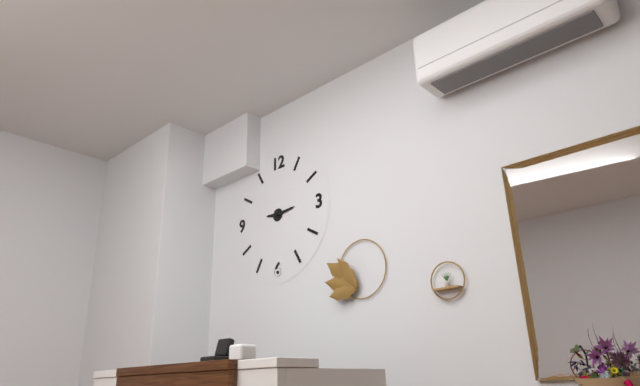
9:14
